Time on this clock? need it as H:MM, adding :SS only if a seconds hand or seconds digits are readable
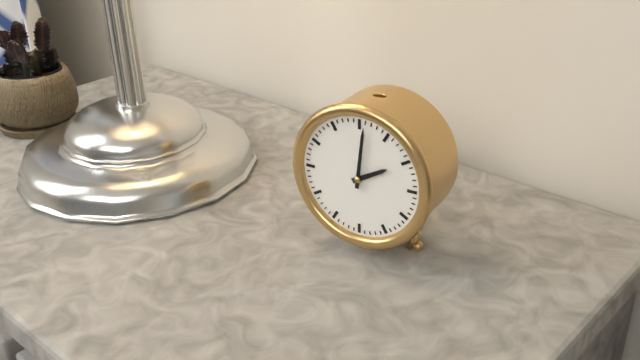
2:01
